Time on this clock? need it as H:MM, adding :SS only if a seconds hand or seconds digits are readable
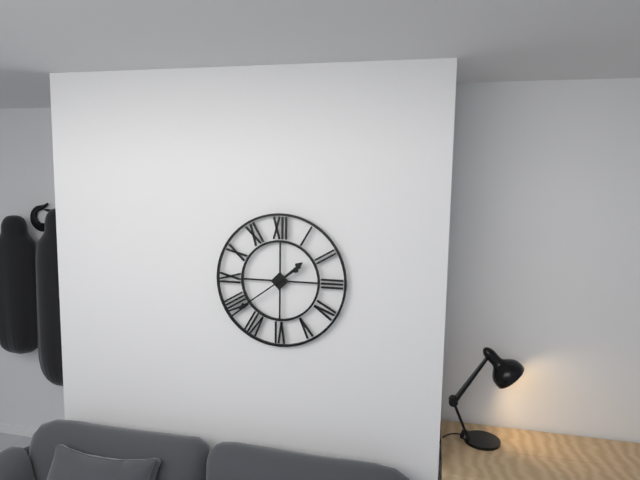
1:39
